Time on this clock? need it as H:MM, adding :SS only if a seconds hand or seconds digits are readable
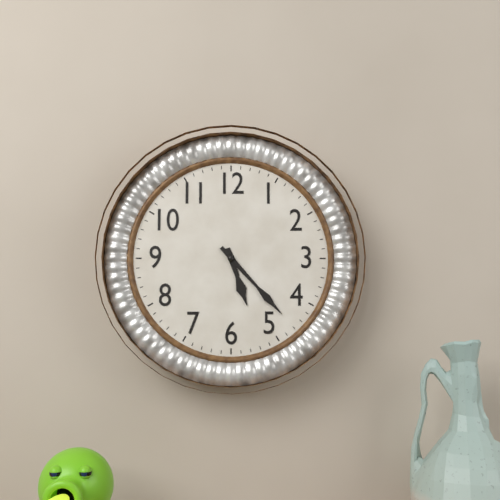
5:23
